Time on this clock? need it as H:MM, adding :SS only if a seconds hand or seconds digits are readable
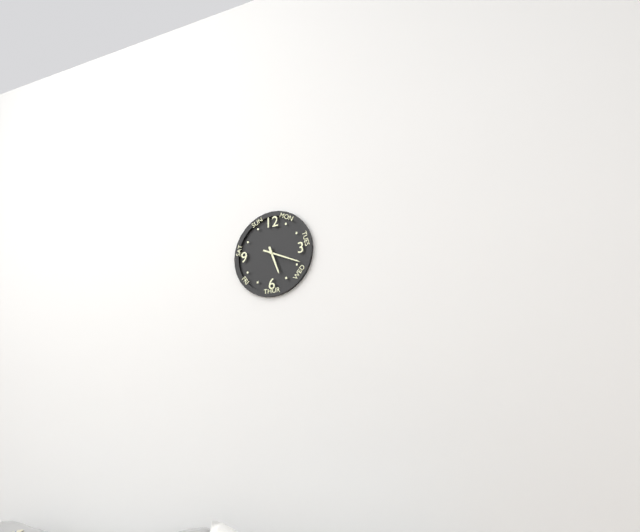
5:19
